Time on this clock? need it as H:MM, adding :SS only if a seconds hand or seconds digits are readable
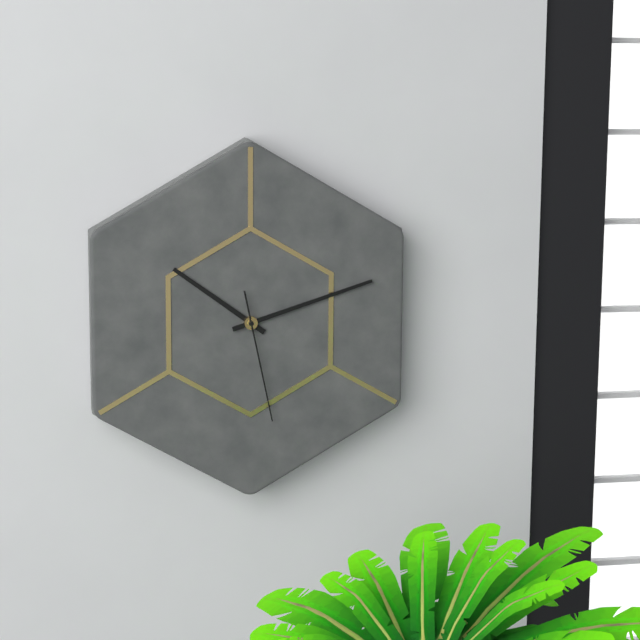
10:12:28
